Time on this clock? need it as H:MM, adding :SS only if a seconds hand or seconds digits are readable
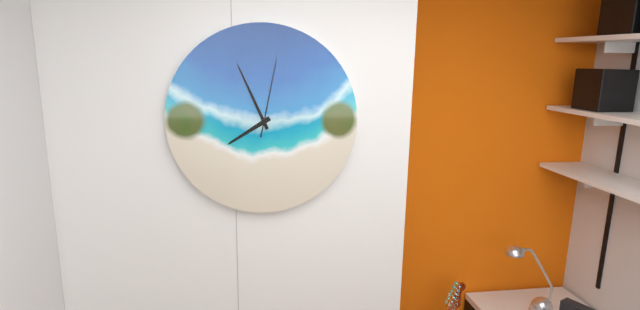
7:56:02
